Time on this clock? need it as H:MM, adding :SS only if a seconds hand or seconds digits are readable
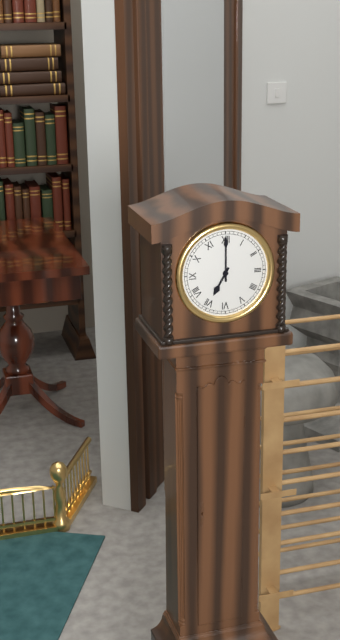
7:00
